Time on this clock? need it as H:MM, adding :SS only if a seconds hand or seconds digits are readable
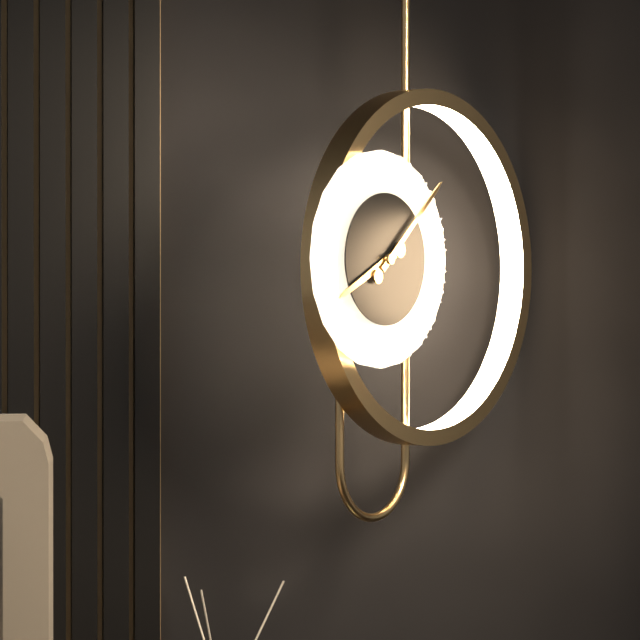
8:08
